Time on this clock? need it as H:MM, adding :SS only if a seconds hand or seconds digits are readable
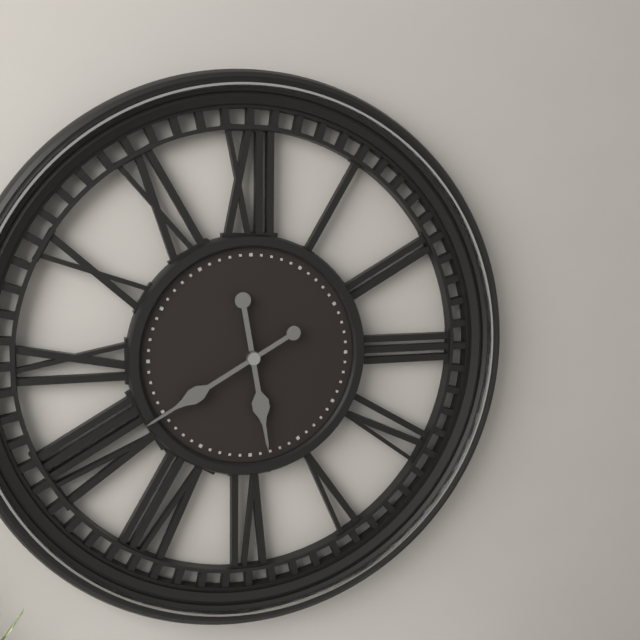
5:40
